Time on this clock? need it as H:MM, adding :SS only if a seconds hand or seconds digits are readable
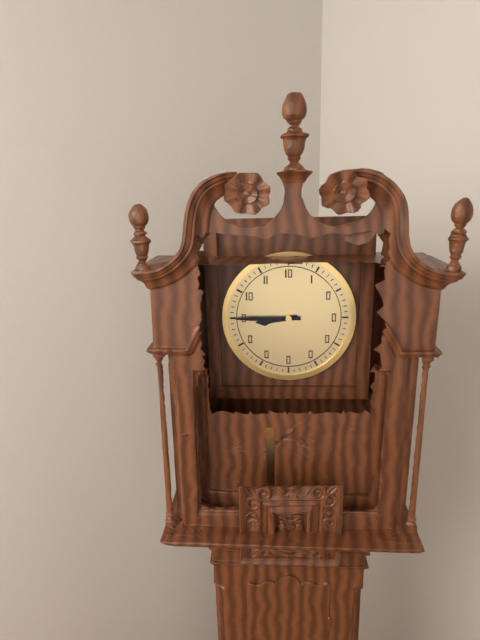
8:45
